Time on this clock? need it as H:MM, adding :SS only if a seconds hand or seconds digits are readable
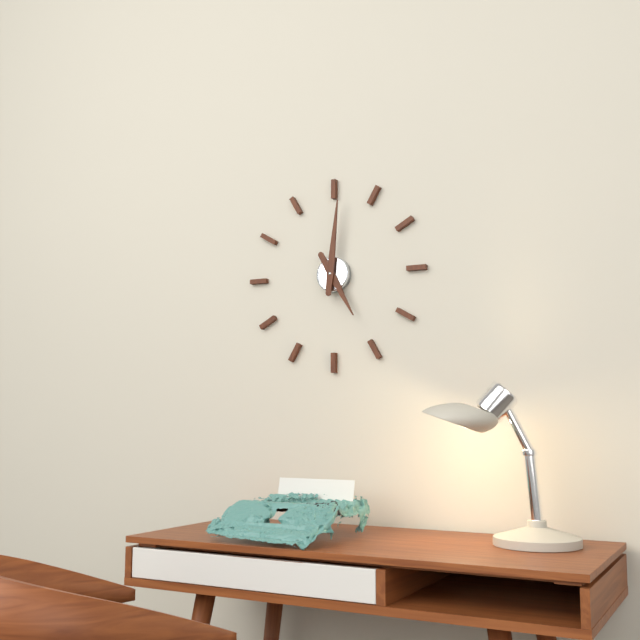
5:01
